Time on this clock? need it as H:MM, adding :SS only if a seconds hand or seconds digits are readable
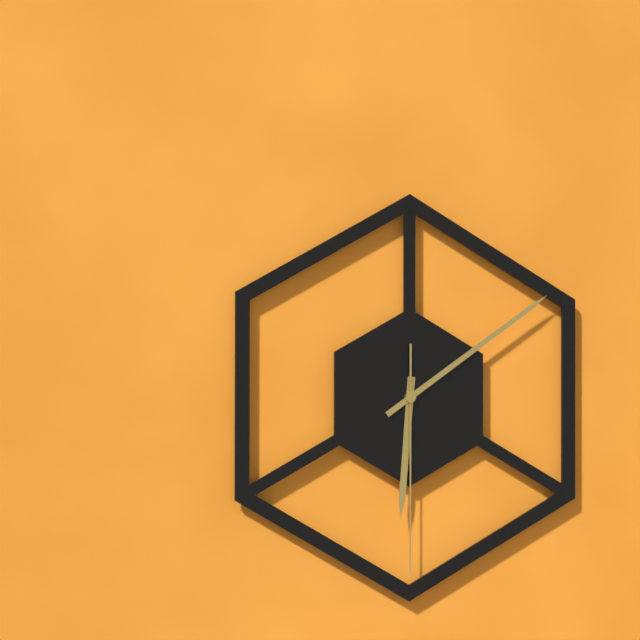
6:09:30
